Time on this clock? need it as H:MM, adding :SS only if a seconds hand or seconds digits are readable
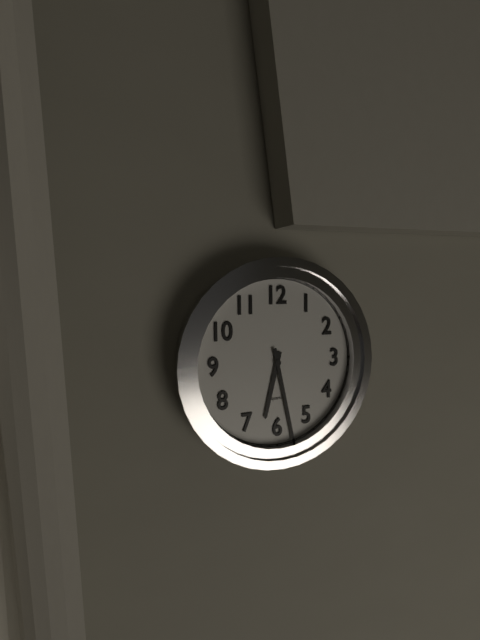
6:28
